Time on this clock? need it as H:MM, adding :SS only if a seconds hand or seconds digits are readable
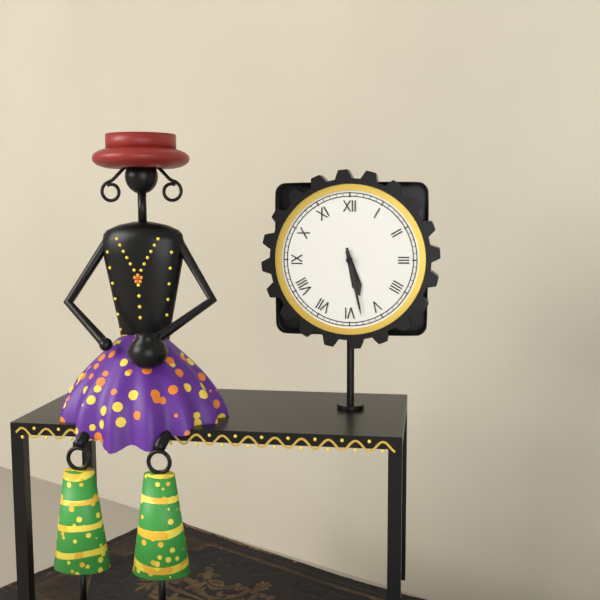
5:28
